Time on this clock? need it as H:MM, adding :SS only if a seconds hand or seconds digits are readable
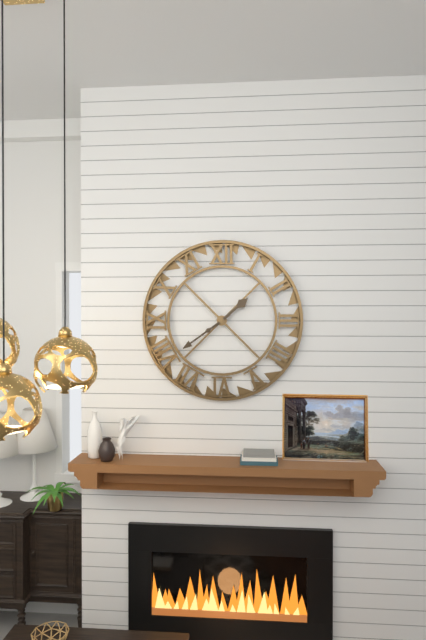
1:39
